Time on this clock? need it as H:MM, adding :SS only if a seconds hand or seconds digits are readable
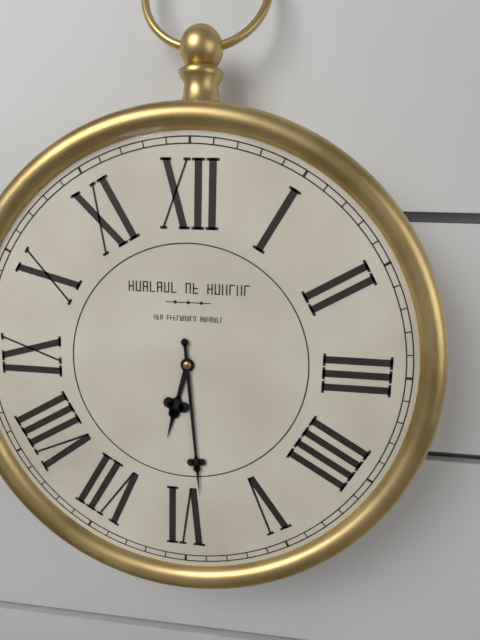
6:29
